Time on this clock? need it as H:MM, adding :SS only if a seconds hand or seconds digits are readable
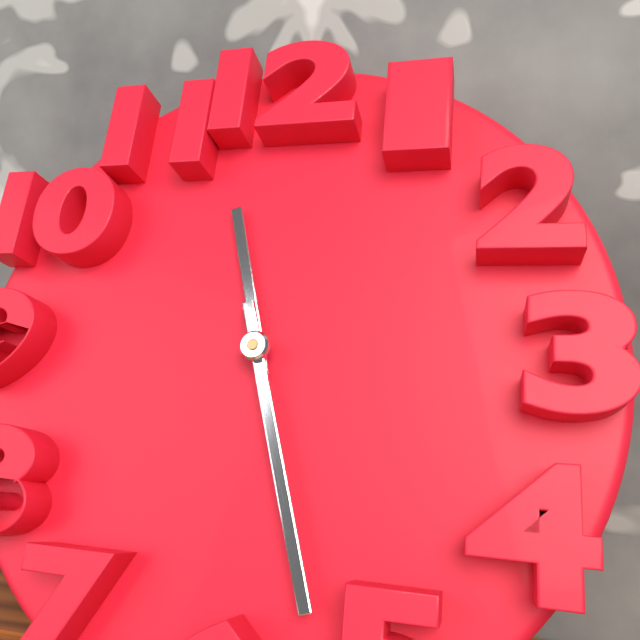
11:27
